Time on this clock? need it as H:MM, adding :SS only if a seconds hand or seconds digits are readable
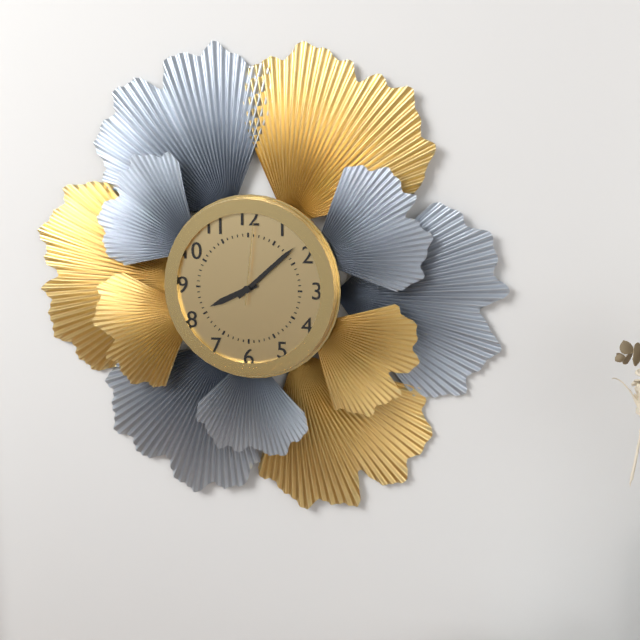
8:08:01
